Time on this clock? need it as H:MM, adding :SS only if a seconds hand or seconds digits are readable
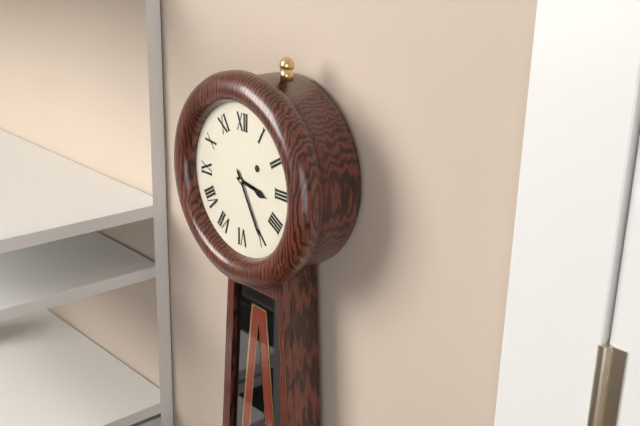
3:25
